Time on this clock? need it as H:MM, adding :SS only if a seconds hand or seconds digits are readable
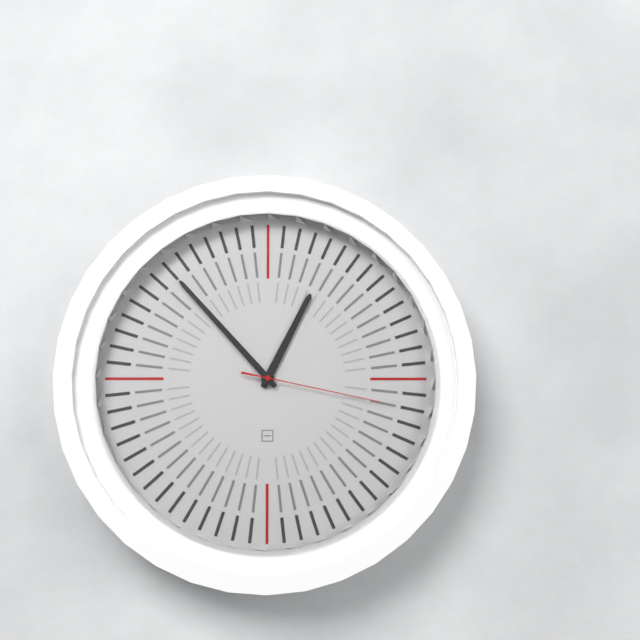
12:53:17
